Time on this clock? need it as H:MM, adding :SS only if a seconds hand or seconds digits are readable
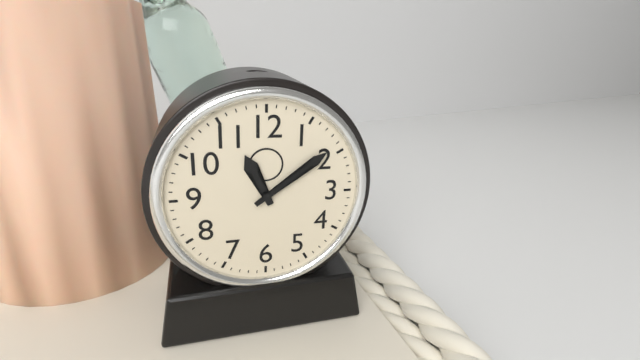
11:09
